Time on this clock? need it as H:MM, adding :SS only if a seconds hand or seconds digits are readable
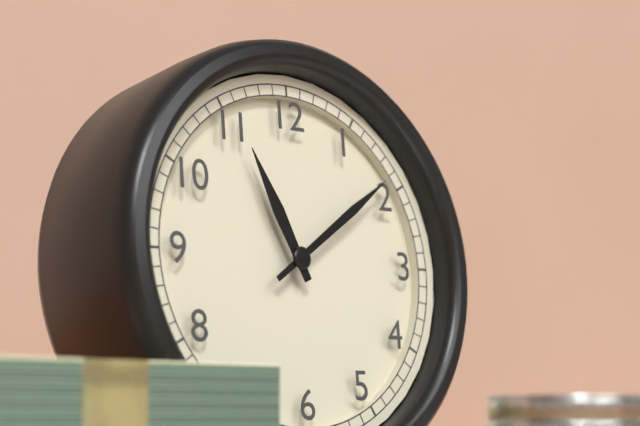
11:09
